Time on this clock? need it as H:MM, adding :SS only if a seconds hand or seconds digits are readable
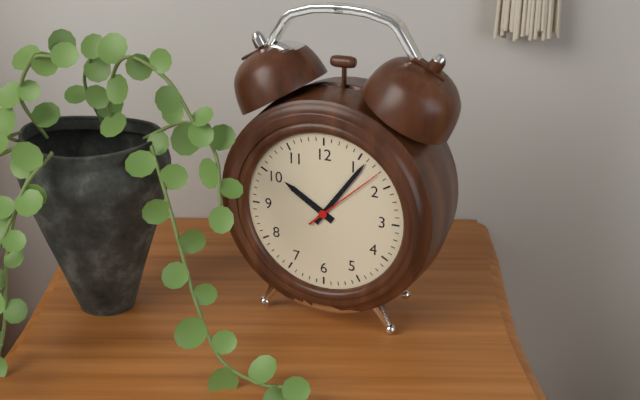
10:06:08
